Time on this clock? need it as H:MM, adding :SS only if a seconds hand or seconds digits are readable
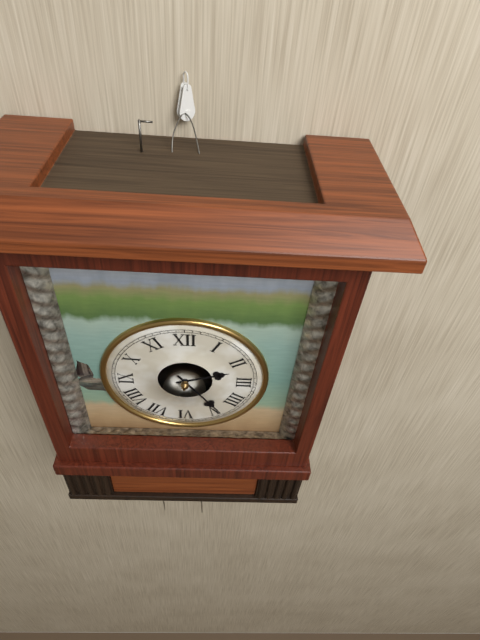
2:24
